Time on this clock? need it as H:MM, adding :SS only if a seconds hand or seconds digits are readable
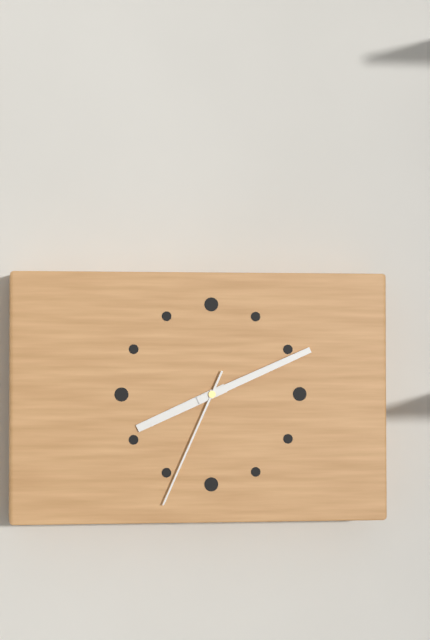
8:11:34
